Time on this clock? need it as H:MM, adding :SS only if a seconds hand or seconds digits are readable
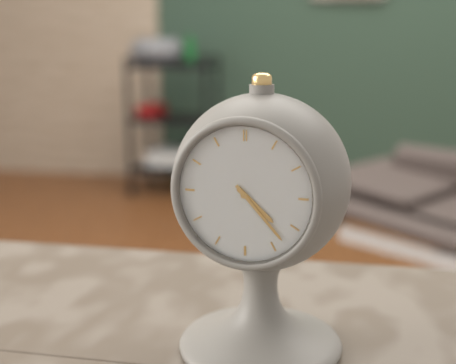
4:23
